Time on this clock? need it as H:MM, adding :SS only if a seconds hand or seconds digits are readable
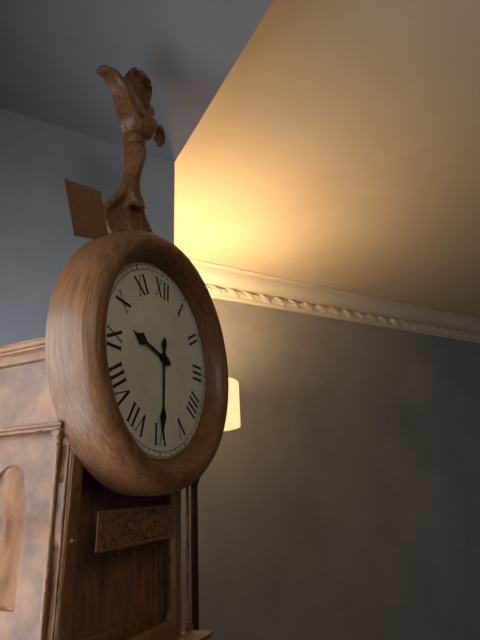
9:30
